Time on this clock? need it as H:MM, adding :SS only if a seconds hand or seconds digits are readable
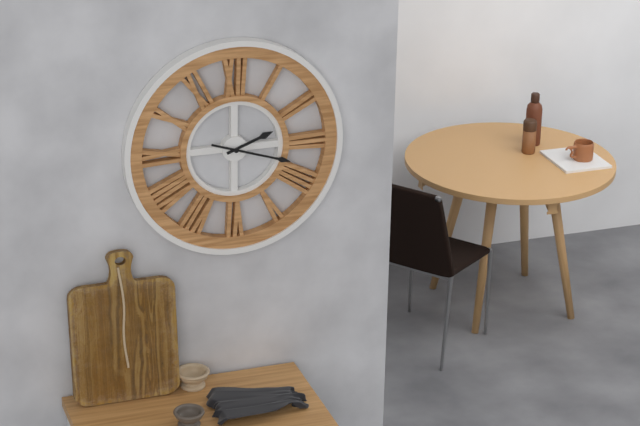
2:18
